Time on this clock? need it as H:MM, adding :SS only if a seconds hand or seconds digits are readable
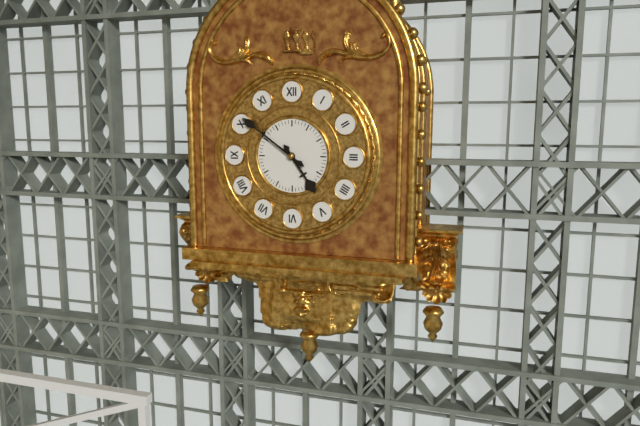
4:51
